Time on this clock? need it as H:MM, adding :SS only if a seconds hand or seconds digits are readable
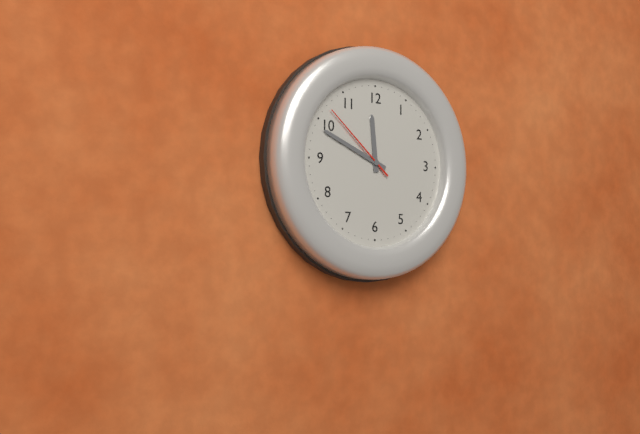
11:49:52
